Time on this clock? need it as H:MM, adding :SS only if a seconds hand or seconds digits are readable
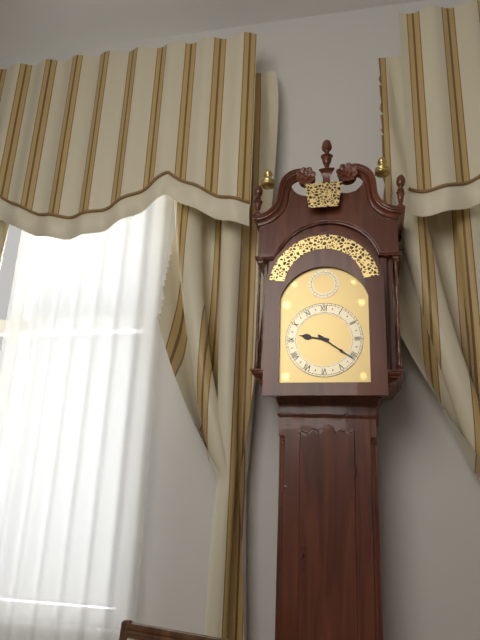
9:21
